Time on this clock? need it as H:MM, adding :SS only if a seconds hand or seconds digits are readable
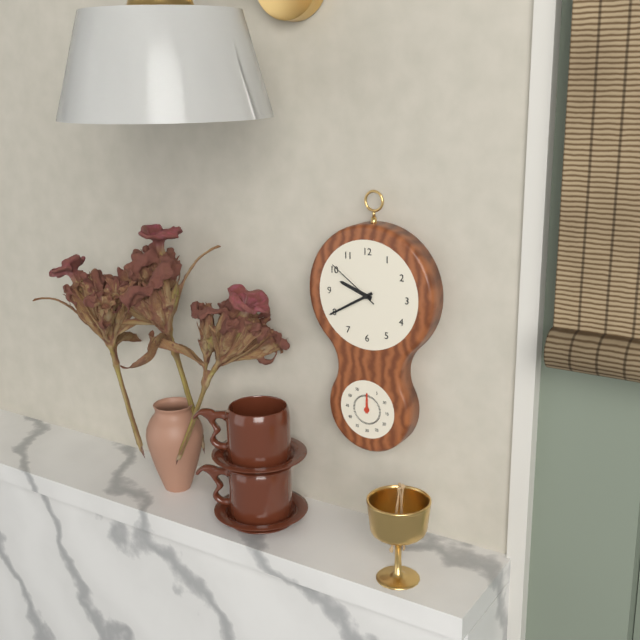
9:40:51
